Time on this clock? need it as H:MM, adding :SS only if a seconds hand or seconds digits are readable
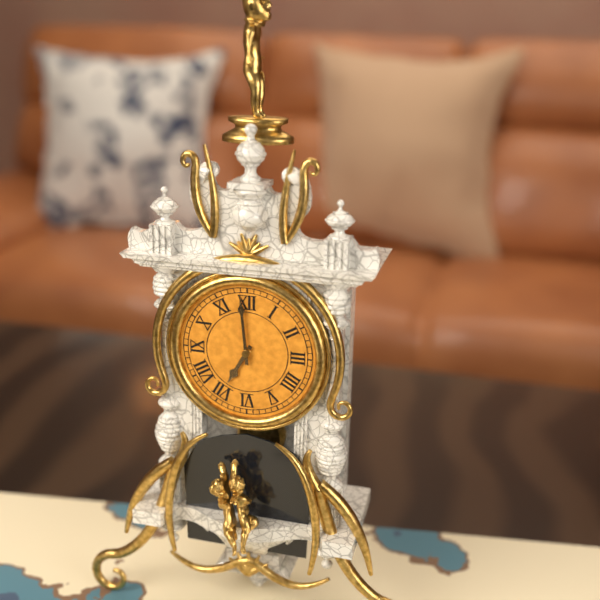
6:59
